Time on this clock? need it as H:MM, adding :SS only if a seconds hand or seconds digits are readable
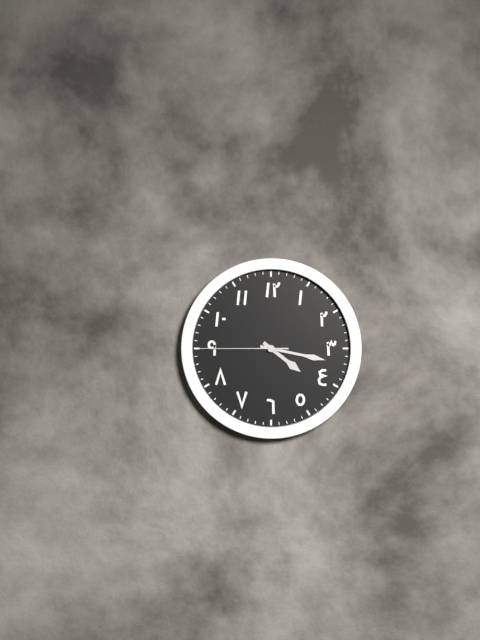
4:17:45
